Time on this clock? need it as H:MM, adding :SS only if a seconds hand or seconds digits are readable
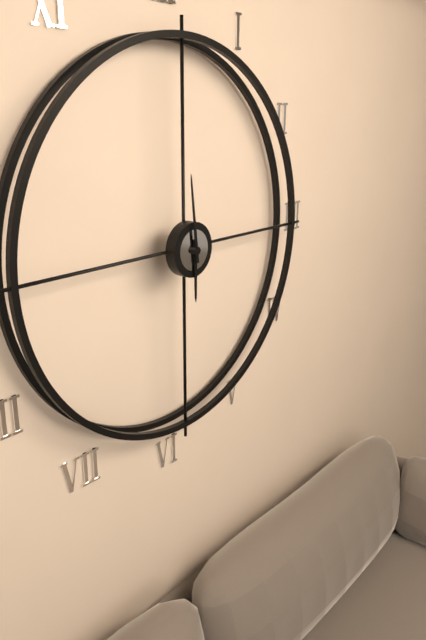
5:59
